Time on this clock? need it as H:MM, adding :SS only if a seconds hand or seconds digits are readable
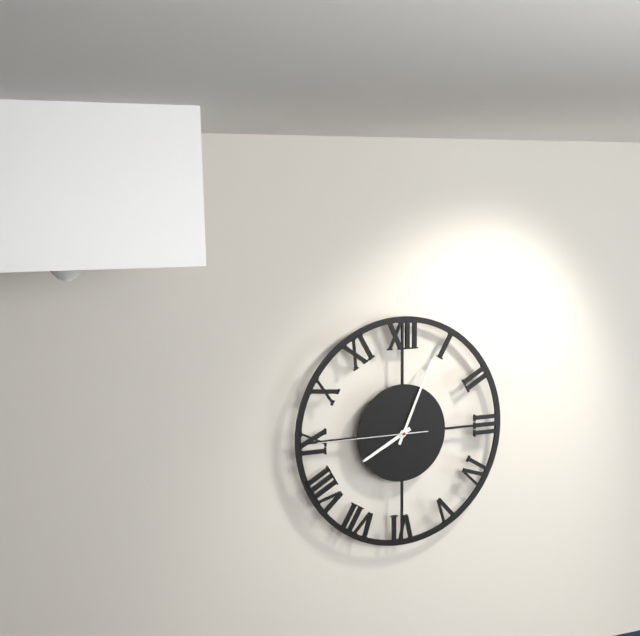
8:04:45
